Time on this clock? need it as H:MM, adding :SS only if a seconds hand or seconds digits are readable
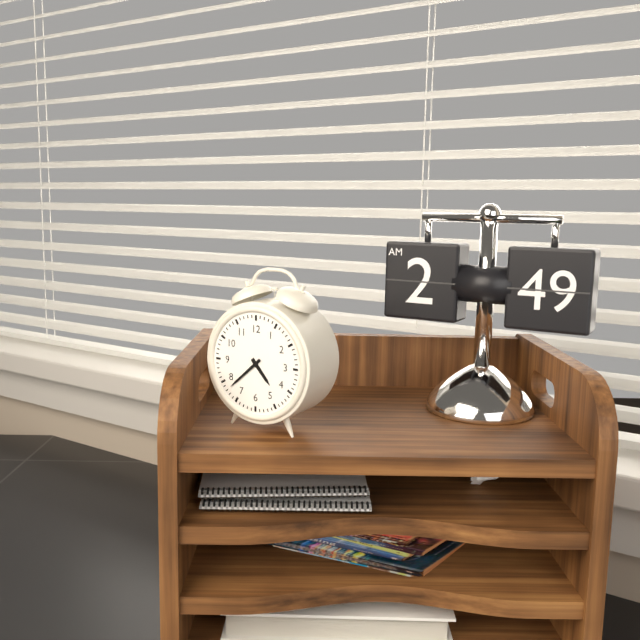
4:38
